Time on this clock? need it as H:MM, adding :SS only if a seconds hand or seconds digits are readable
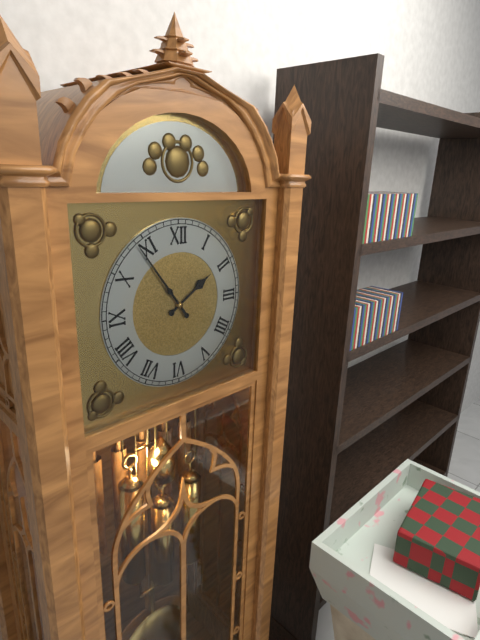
1:54
